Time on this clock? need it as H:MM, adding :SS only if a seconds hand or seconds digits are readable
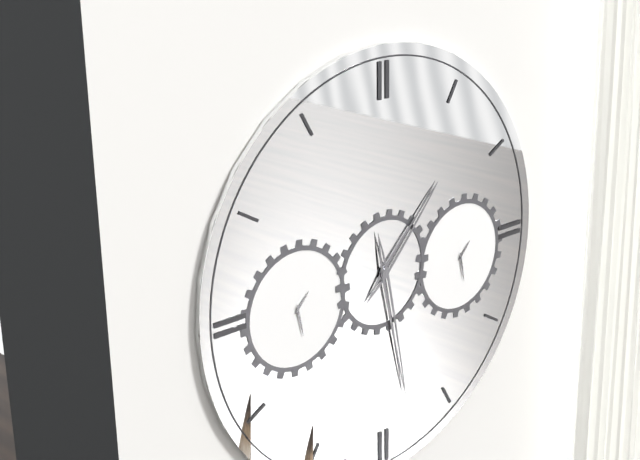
1:28
